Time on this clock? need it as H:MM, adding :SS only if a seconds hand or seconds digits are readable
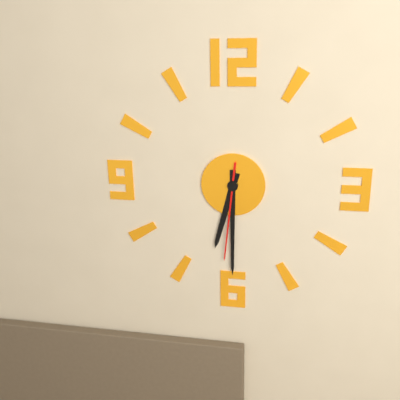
6:30:31
